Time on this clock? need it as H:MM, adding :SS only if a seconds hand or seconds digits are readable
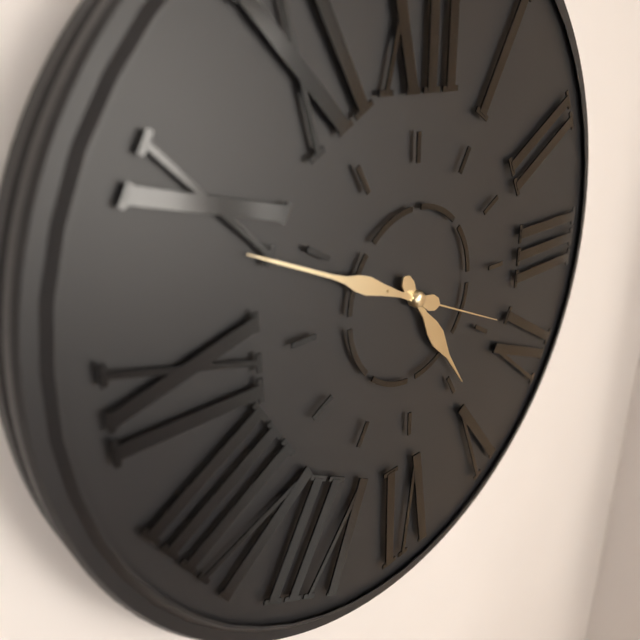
4:49:19
